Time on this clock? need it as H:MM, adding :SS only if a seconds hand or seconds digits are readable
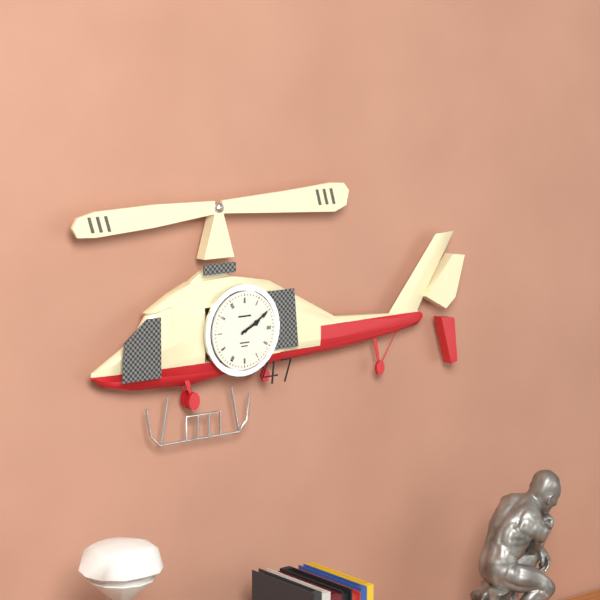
2:10
